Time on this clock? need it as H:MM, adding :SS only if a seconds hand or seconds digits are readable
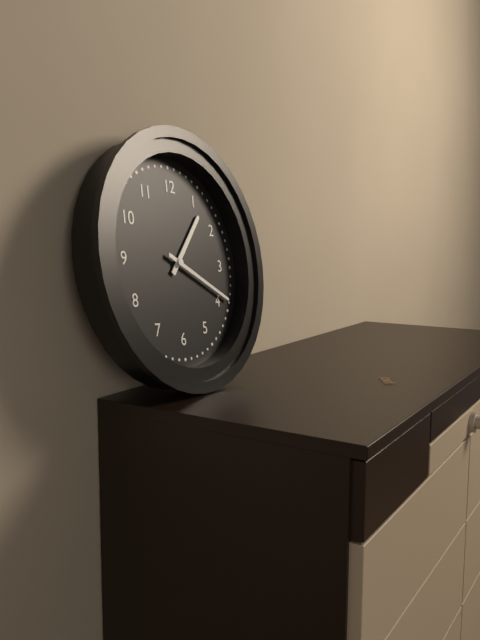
1:19
